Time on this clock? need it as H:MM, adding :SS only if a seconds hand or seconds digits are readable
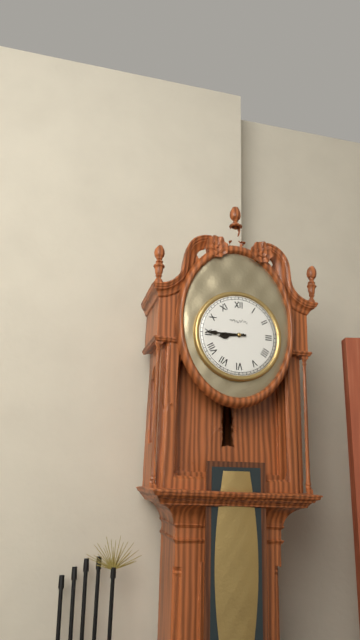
8:45
